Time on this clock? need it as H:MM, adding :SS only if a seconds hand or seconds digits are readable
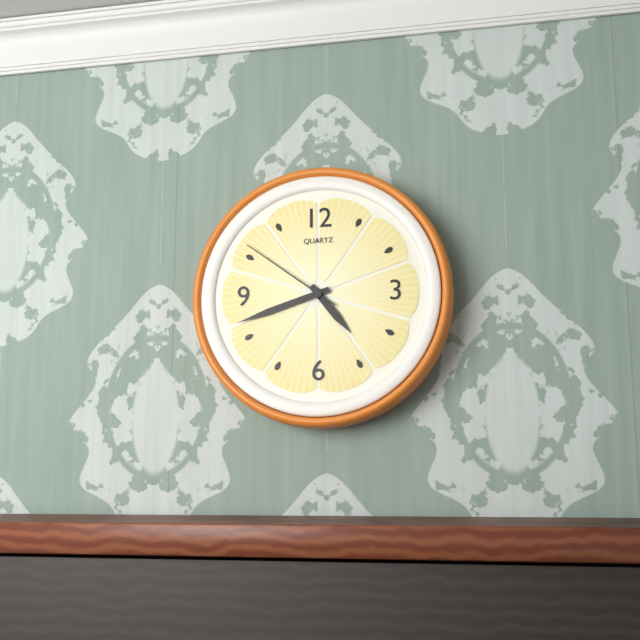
4:42:51
